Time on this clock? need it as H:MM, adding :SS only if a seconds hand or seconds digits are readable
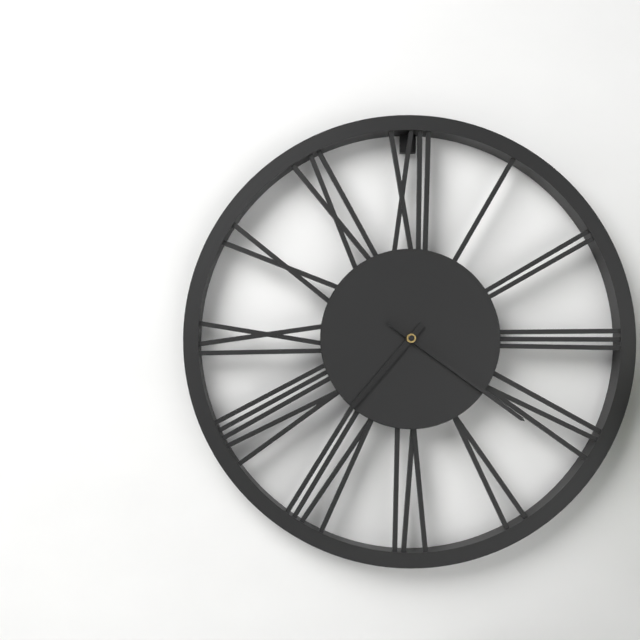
7:21
